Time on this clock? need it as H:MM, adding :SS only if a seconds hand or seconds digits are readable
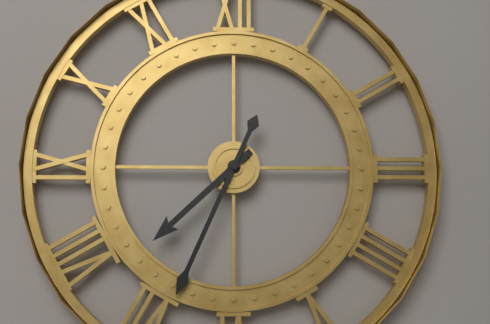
7:34
